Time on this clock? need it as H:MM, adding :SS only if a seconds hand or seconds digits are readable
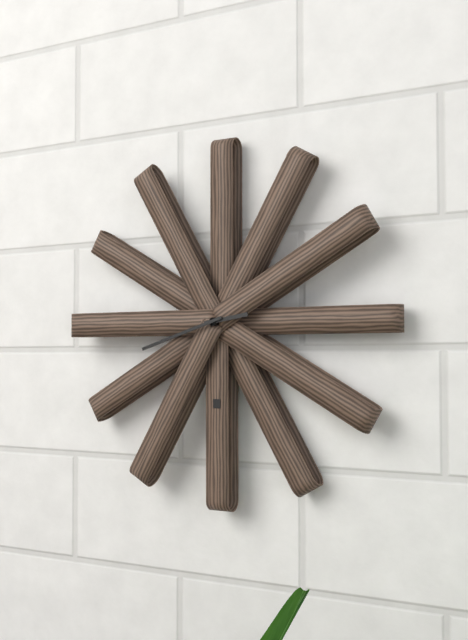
2:42
